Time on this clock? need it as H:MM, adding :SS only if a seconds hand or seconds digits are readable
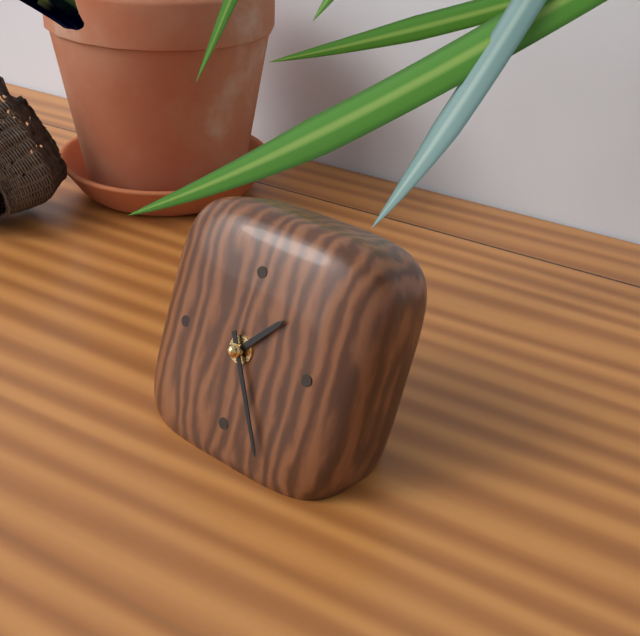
1:25
